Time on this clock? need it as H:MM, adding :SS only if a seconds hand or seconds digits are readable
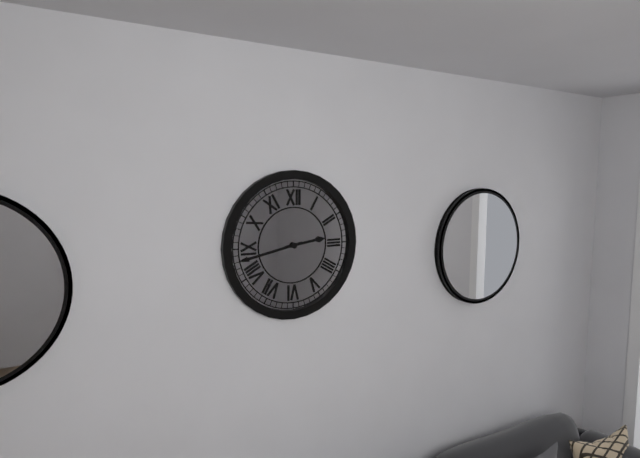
2:43
